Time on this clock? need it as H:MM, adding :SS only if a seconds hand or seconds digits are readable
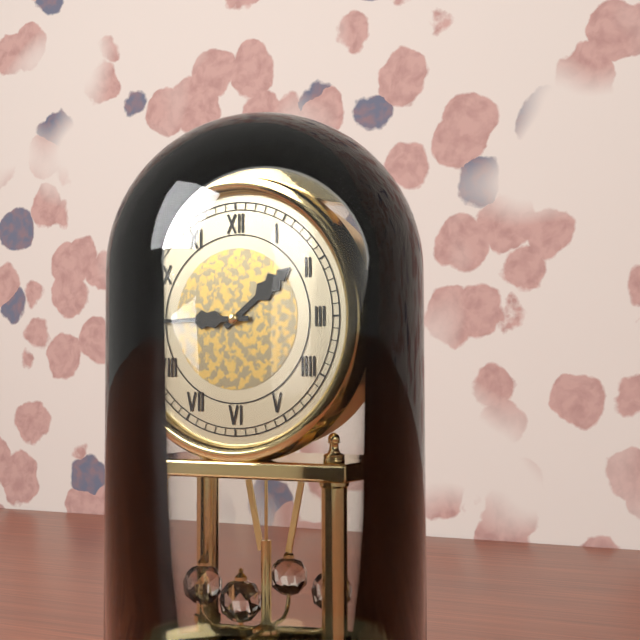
1:45
